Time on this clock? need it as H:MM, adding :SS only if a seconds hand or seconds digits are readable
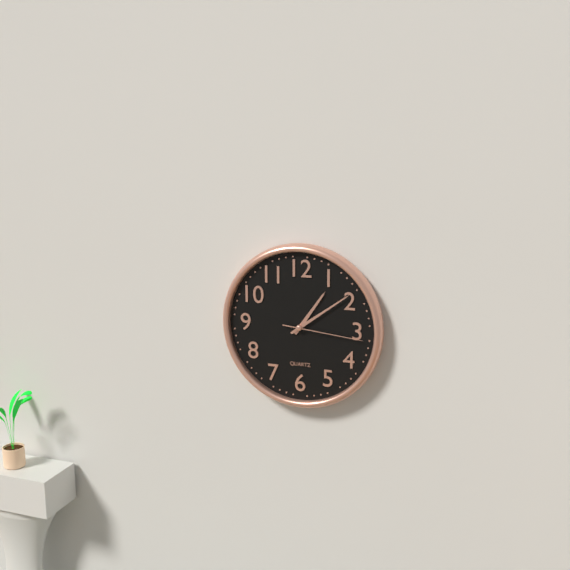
1:09:16
